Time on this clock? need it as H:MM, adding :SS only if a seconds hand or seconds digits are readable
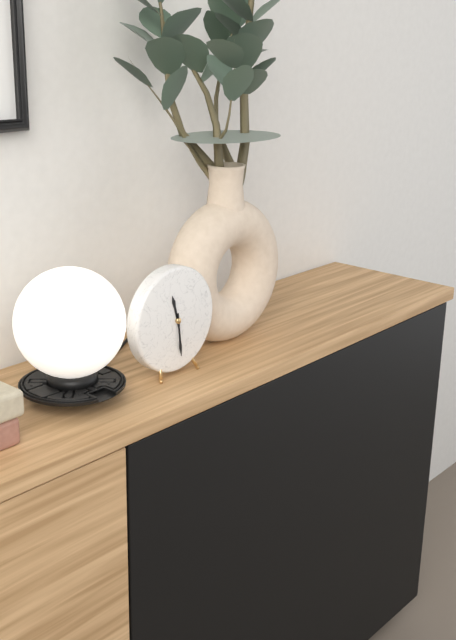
11:29
